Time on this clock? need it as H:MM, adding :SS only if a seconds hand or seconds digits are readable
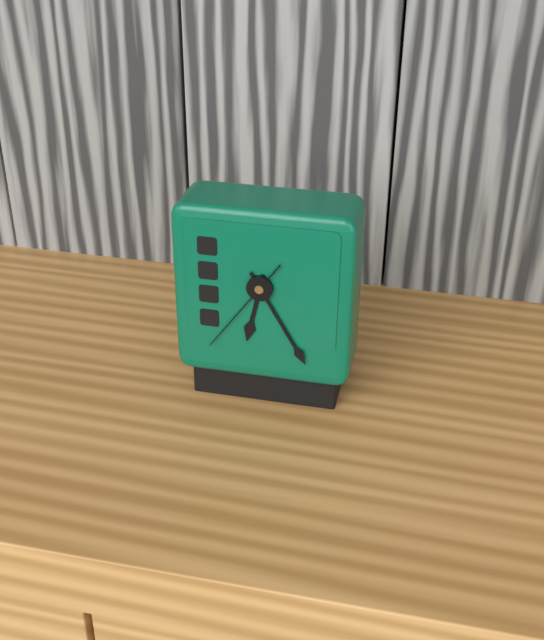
6:25:36
